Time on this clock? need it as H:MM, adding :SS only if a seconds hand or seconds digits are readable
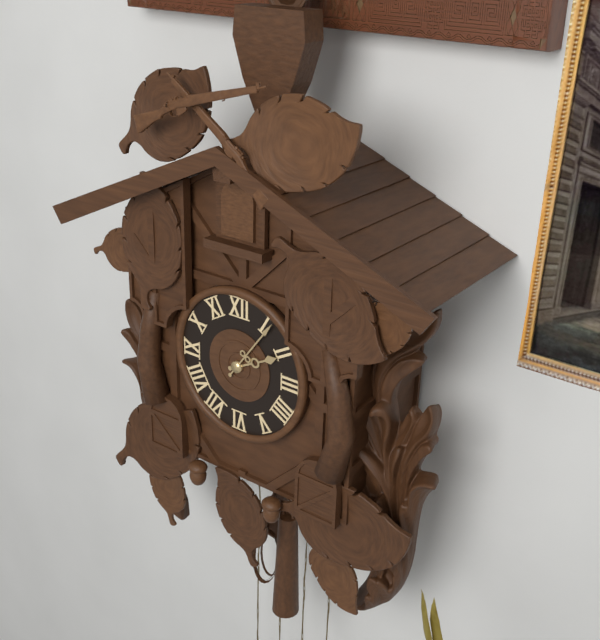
2:06
